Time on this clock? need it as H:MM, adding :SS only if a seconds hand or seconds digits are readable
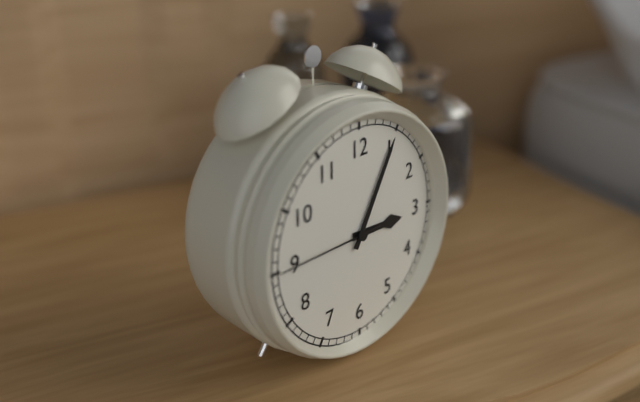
3:05:45
